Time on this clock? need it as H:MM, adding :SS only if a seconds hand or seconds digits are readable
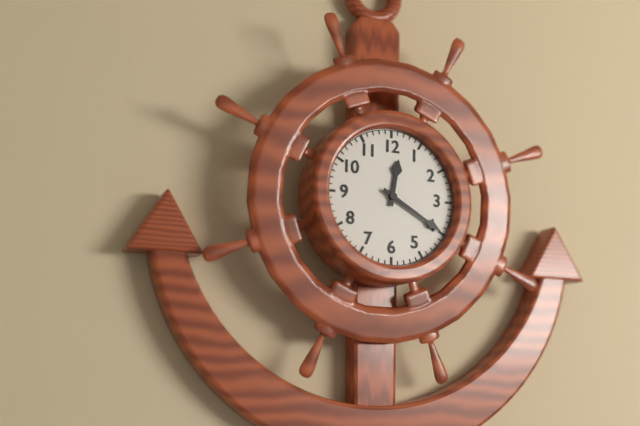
12:20
